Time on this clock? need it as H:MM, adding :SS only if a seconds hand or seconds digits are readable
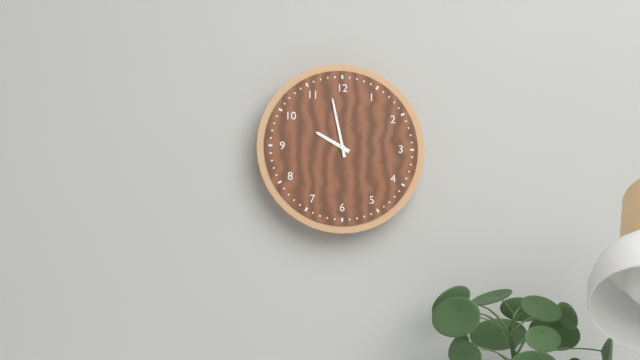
9:58
